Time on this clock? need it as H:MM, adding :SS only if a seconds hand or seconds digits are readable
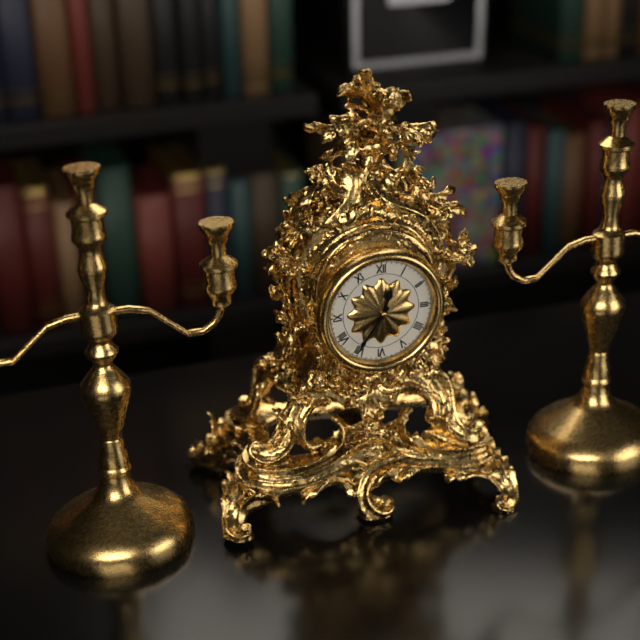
12:36
